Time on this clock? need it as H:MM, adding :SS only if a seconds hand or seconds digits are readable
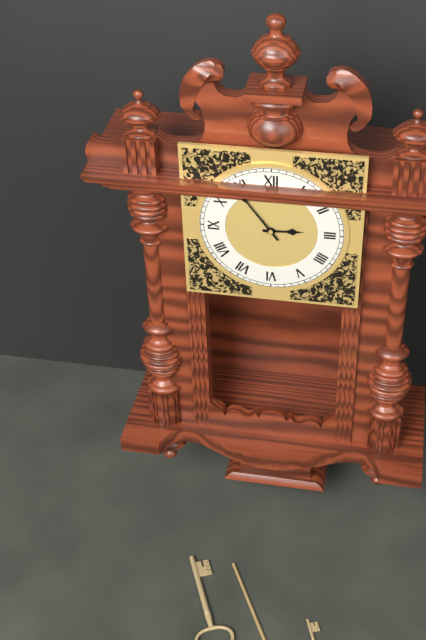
2:54
